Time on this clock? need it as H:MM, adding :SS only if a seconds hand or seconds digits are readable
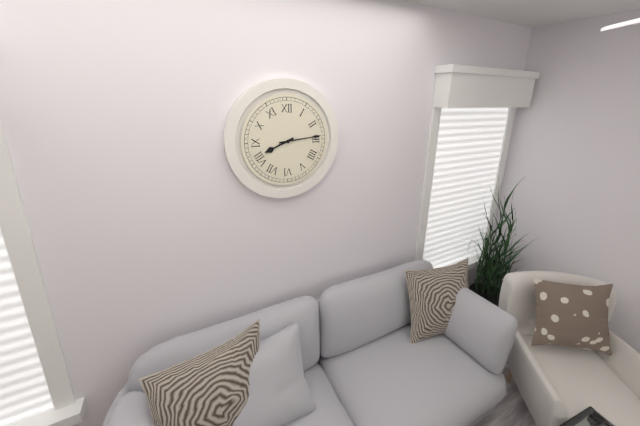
8:14
